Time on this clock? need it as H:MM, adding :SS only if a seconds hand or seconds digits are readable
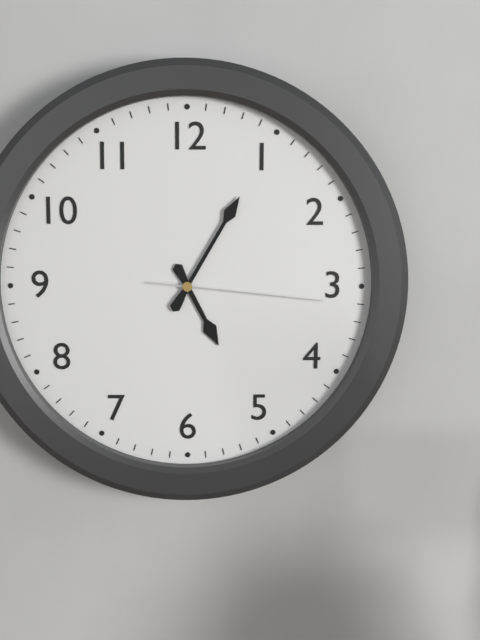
5:05:16
